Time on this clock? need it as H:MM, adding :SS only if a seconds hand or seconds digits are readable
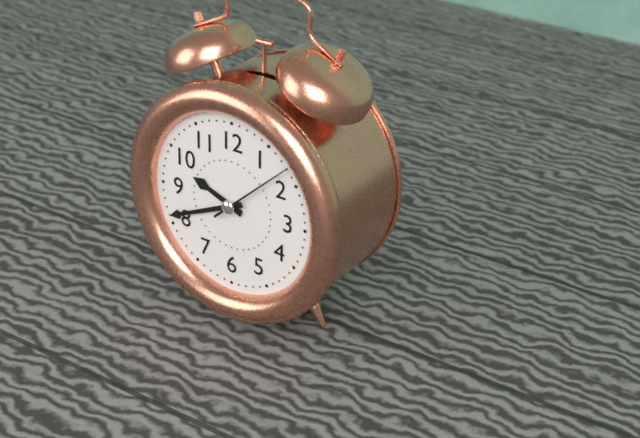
9:41:08
